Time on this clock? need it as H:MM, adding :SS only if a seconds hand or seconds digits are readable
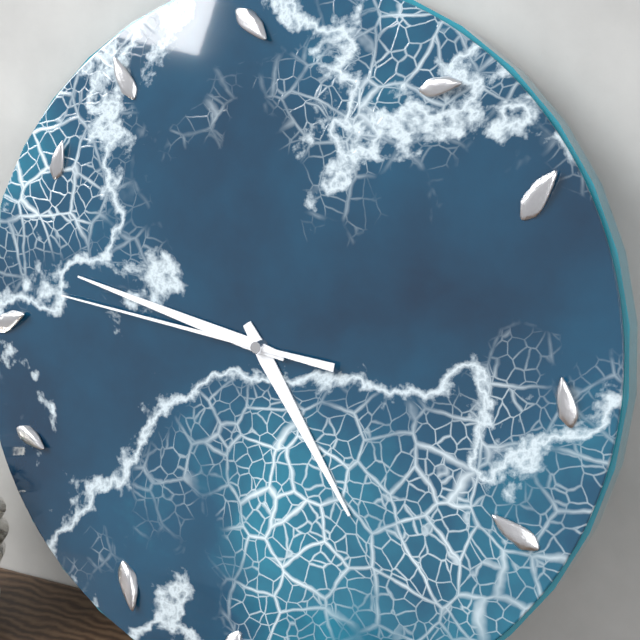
4:47:46
